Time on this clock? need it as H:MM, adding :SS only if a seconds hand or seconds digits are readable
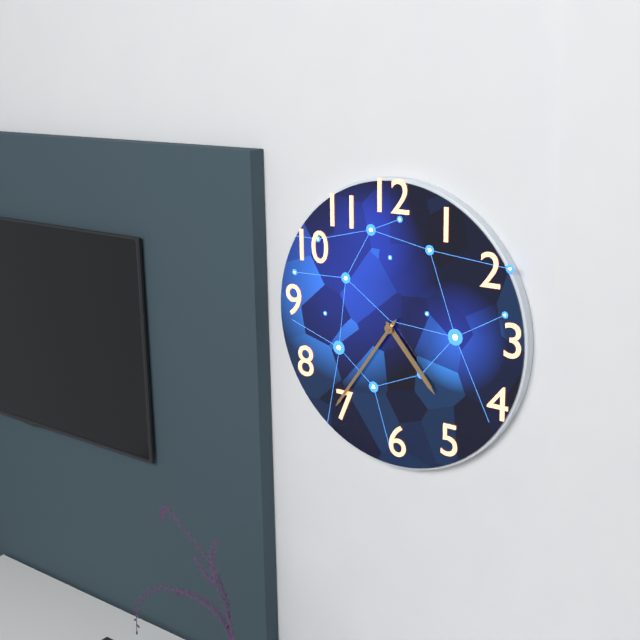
4:36
